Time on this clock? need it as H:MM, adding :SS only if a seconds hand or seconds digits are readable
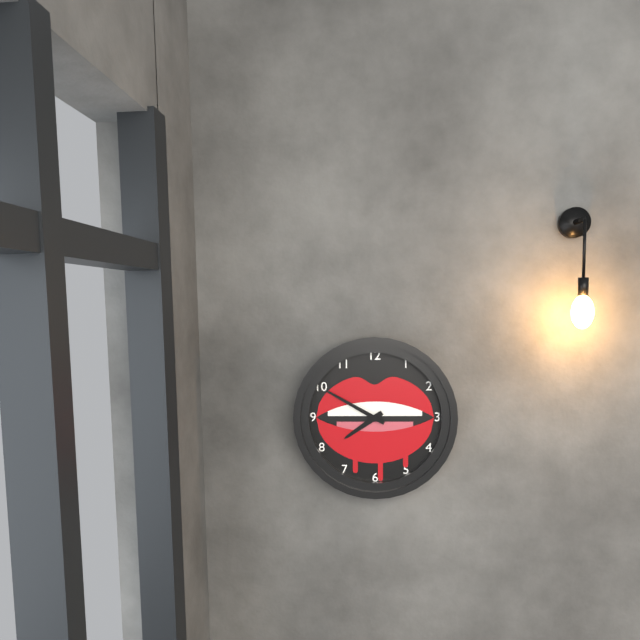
7:50
